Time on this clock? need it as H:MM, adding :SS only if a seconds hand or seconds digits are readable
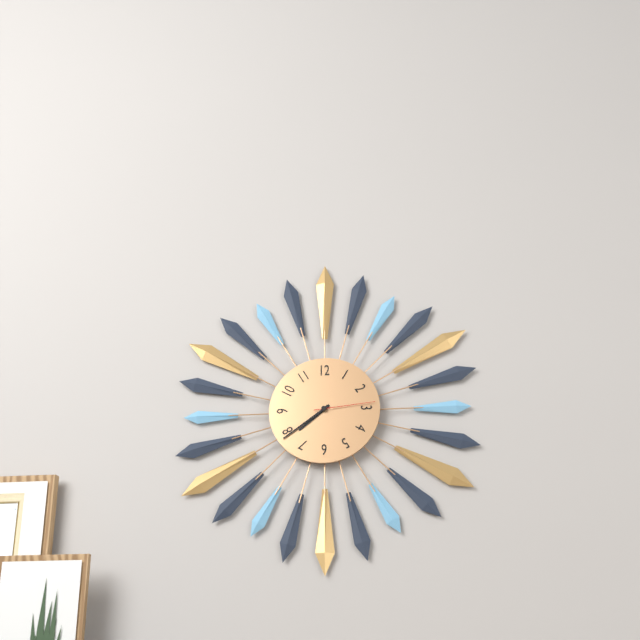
7:39:14
